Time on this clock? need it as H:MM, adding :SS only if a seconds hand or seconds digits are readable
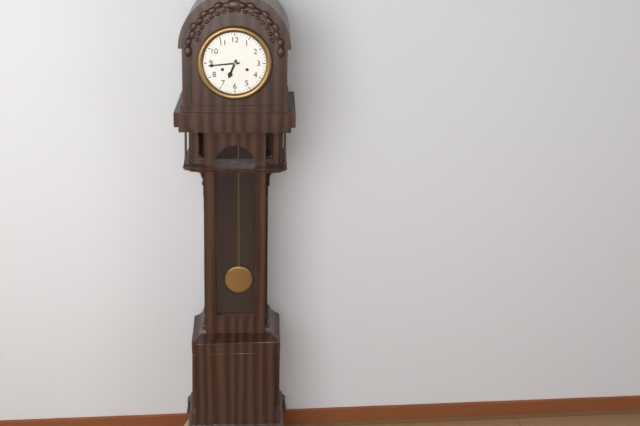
6:44
